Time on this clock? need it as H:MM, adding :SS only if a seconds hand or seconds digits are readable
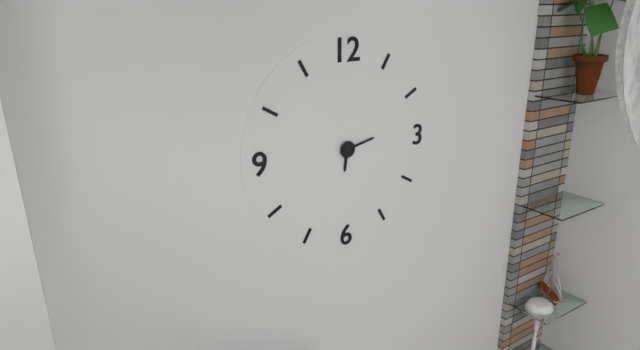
6:13
